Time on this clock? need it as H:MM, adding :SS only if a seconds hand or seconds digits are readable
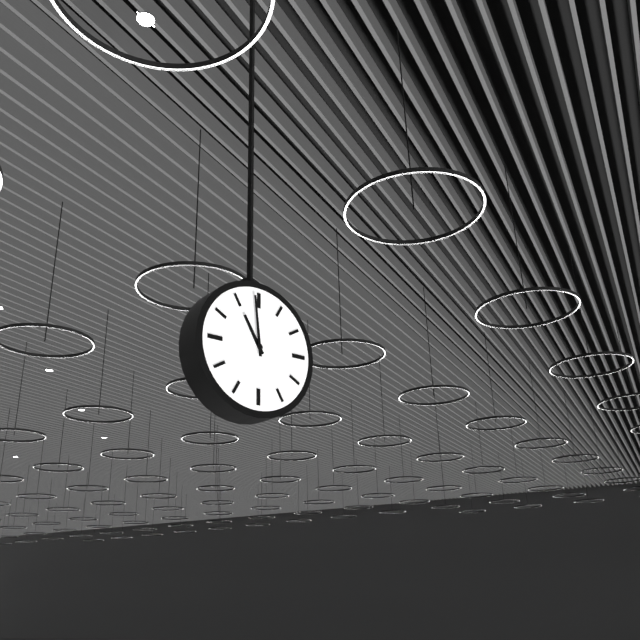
10:59
